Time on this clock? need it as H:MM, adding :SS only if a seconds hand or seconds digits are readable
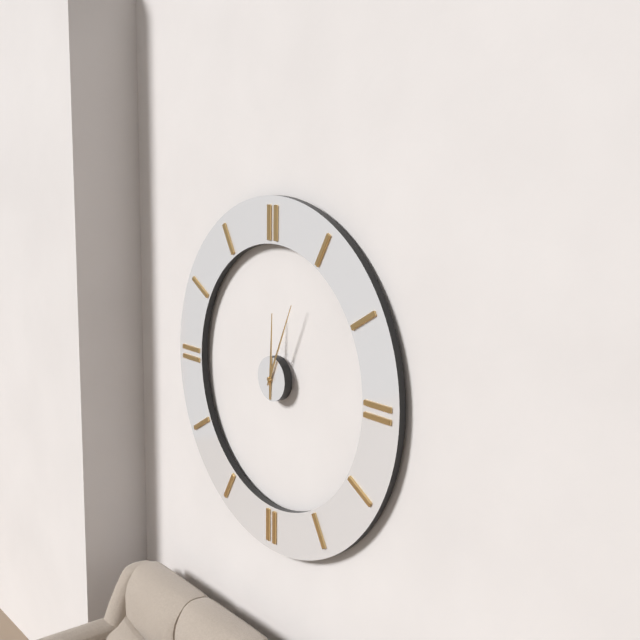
12:04
